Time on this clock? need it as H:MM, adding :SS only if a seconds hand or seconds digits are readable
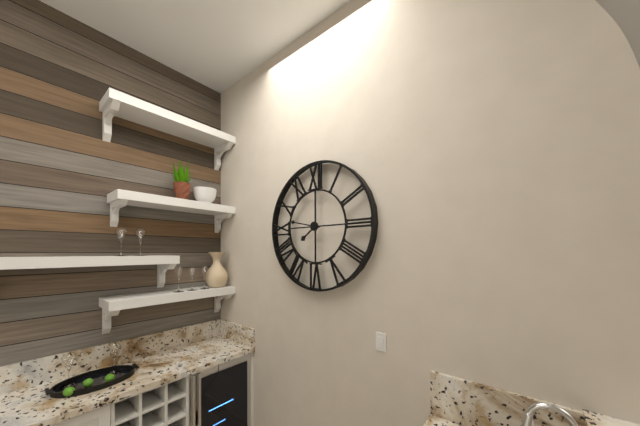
7:47
